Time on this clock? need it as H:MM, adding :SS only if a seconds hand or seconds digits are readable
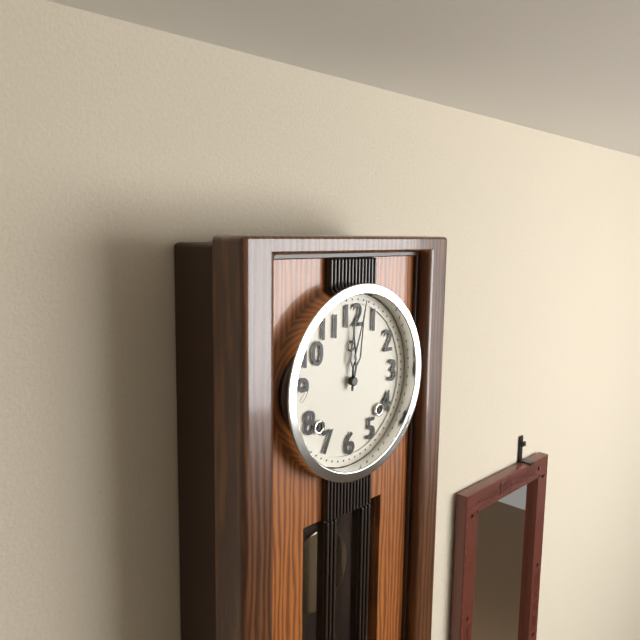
12:02
